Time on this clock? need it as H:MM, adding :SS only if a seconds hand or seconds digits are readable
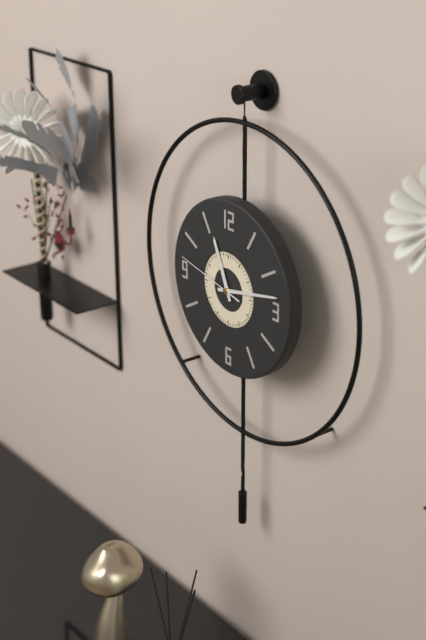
11:13:47
